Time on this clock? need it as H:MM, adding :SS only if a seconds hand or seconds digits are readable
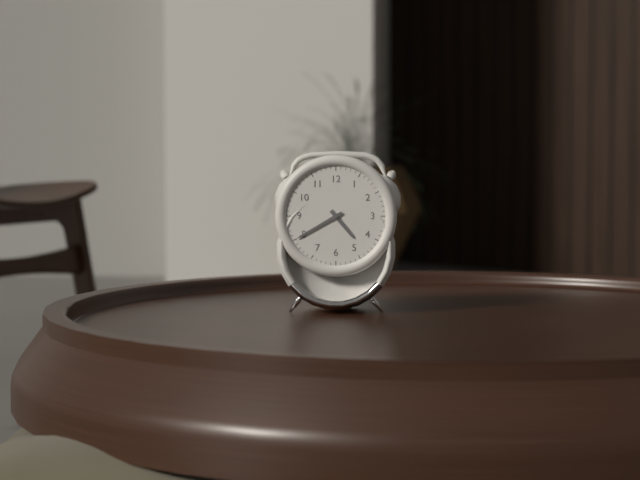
4:40
